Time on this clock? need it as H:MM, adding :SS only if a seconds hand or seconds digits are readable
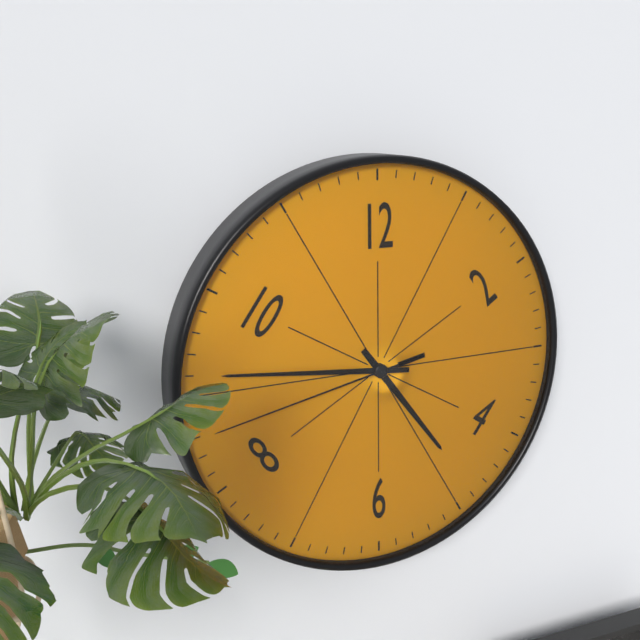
4:46:43
